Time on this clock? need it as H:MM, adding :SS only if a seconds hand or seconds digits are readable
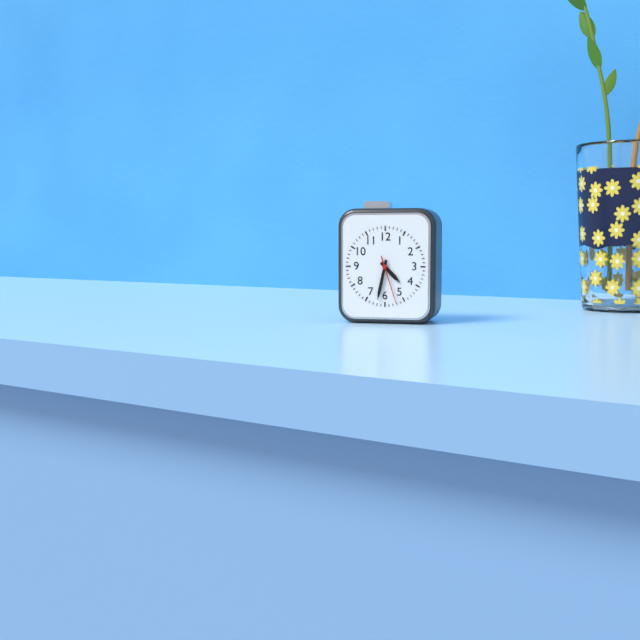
4:32
